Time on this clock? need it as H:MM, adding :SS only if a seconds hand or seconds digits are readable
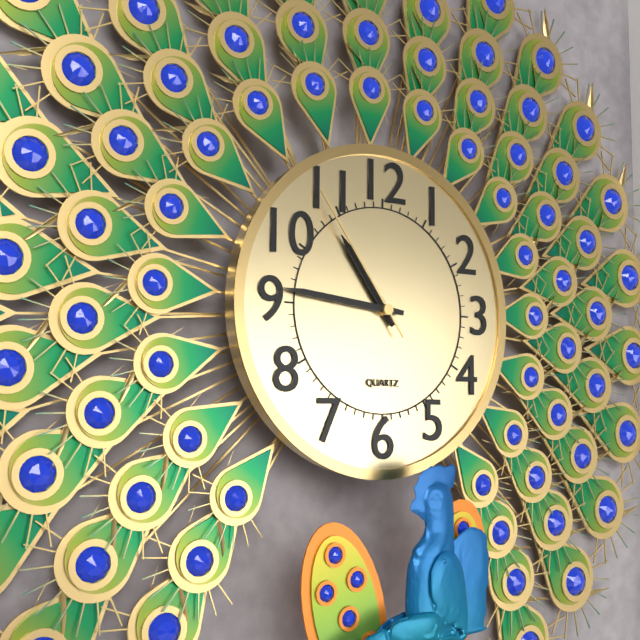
10:46:54
